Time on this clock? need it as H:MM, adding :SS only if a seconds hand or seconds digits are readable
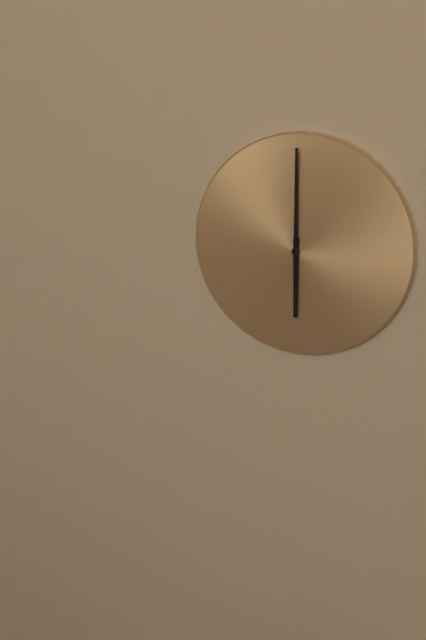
6:00
